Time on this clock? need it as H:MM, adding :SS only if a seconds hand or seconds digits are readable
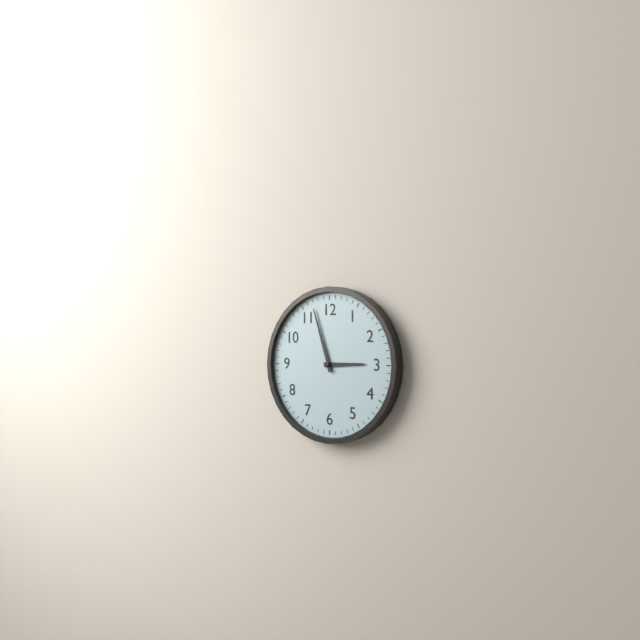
2:57
